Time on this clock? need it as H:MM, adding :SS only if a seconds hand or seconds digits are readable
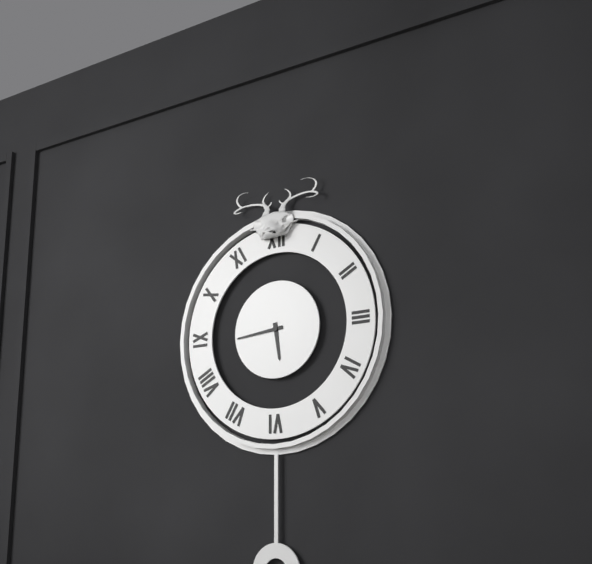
5:44
